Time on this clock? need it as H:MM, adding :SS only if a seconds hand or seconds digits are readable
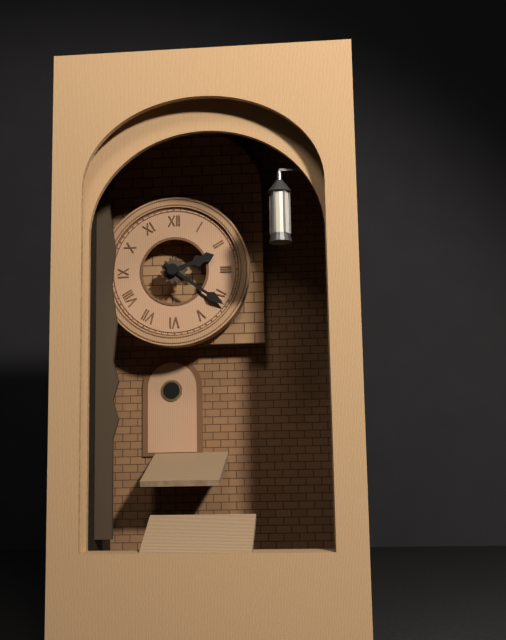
2:21
